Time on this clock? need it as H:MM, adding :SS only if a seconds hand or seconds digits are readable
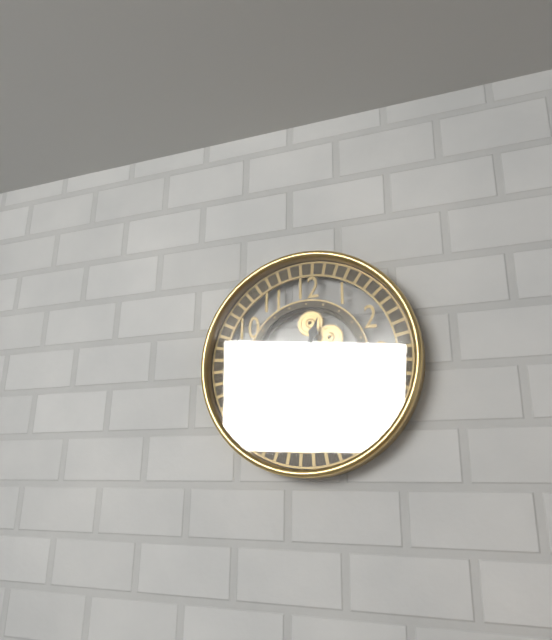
12:35
